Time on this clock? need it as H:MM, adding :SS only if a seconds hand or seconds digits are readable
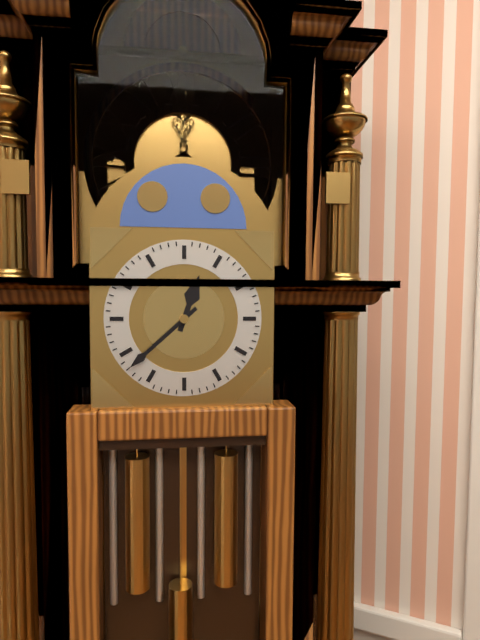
12:38
